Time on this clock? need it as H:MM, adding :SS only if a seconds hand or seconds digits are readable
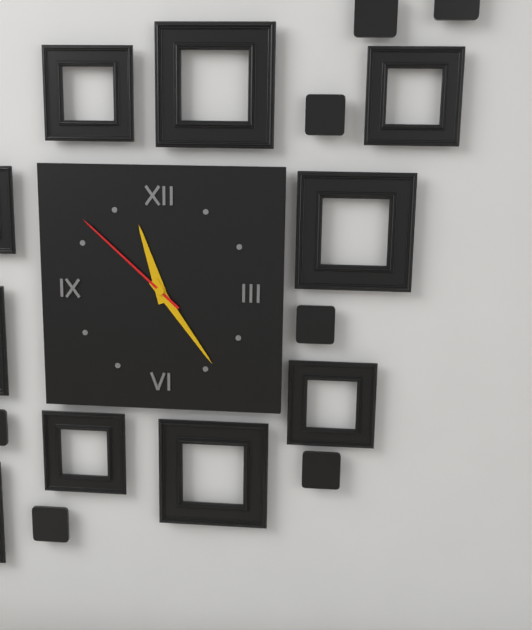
11:24:52
